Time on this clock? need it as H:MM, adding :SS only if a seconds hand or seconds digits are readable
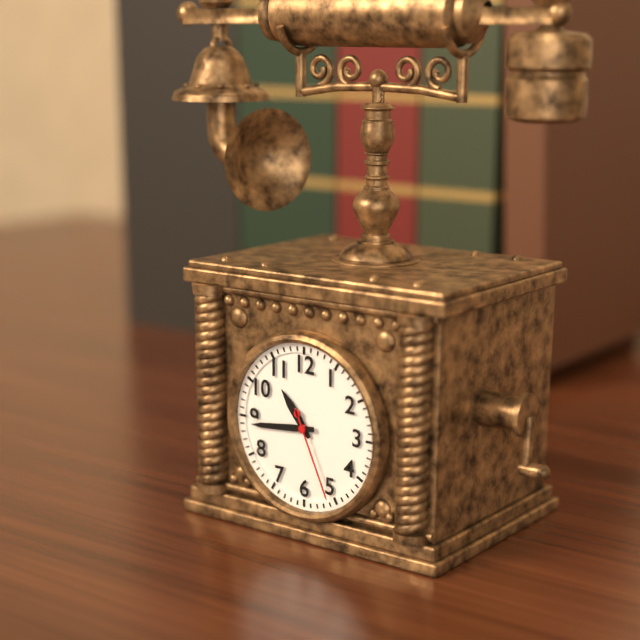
10:44:26
